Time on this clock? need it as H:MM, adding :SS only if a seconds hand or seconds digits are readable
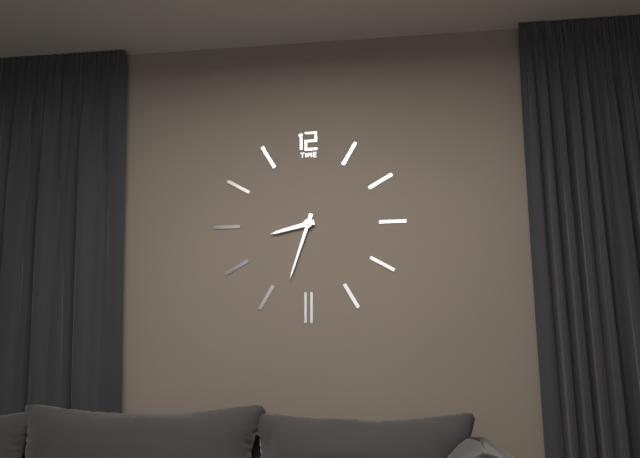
8:33
